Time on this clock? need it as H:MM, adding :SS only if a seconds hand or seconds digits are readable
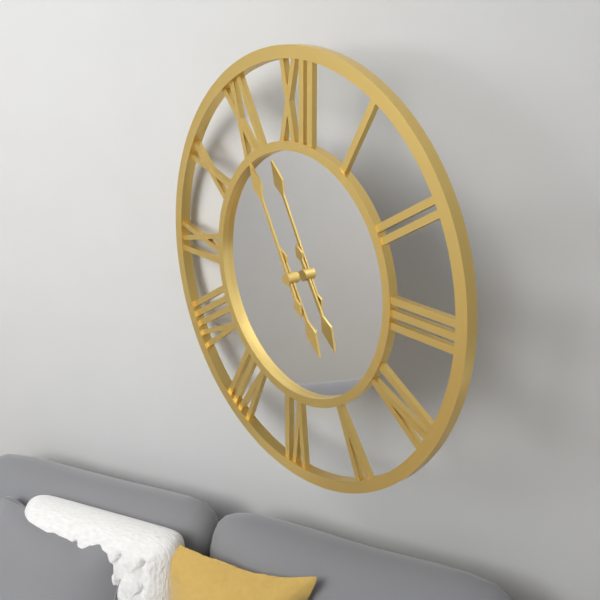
4:55
